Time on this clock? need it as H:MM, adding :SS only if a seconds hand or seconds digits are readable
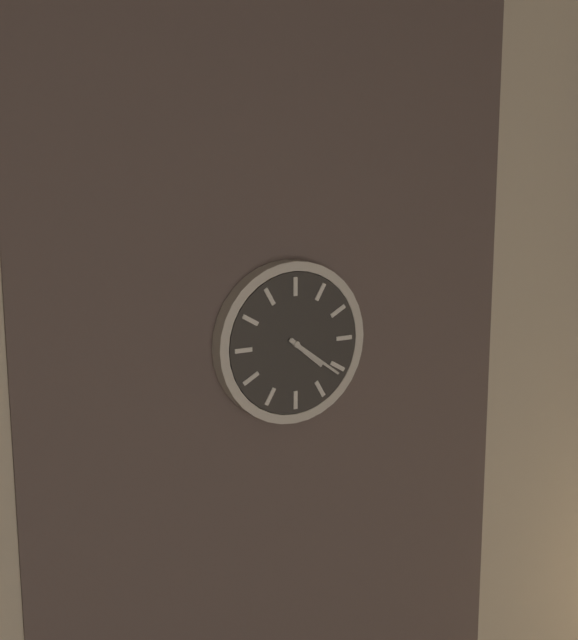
4:21
